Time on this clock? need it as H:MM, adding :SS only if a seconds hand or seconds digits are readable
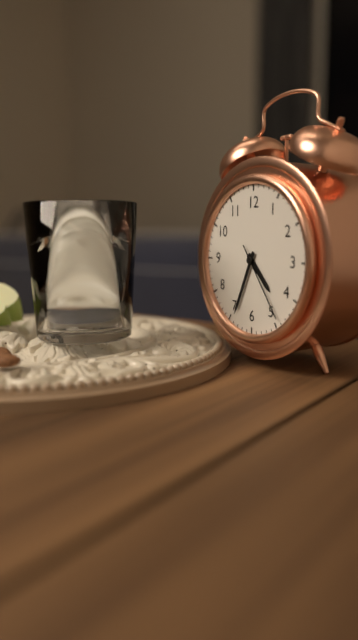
4:34:24
